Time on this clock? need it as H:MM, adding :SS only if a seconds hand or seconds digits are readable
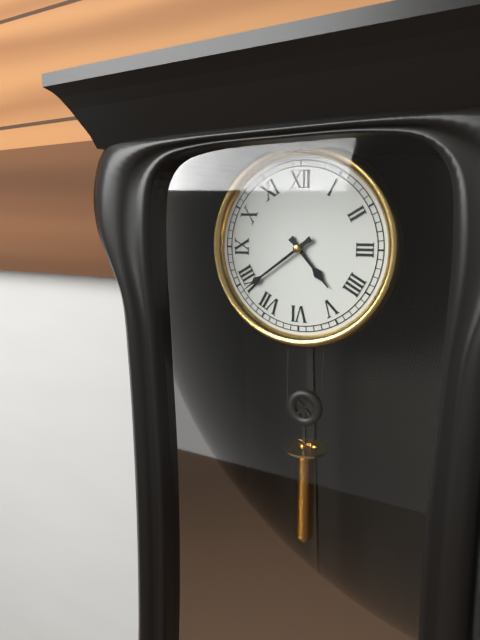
4:39
